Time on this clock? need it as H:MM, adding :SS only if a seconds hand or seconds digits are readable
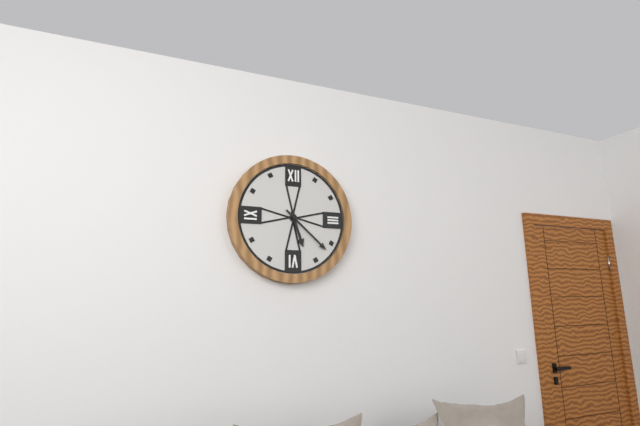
5:22
